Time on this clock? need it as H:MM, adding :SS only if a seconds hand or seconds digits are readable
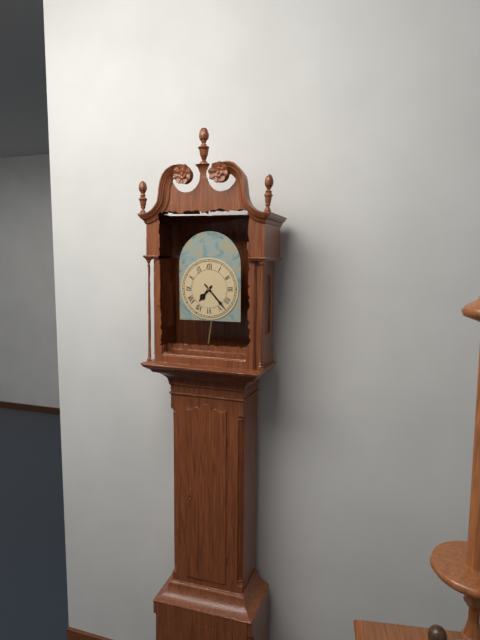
7:23
